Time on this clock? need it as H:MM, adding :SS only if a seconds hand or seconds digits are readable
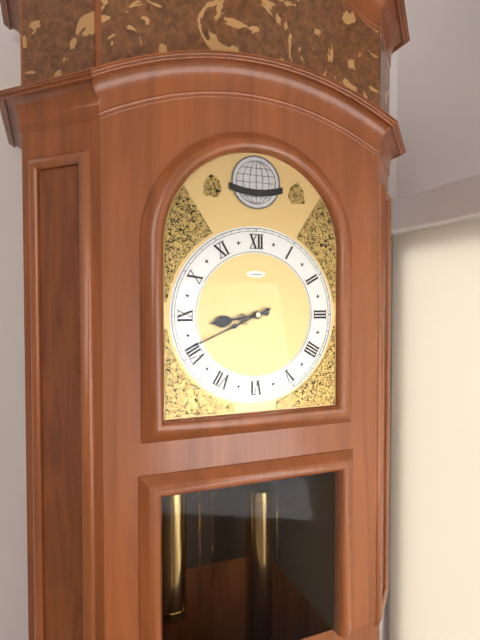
8:41
